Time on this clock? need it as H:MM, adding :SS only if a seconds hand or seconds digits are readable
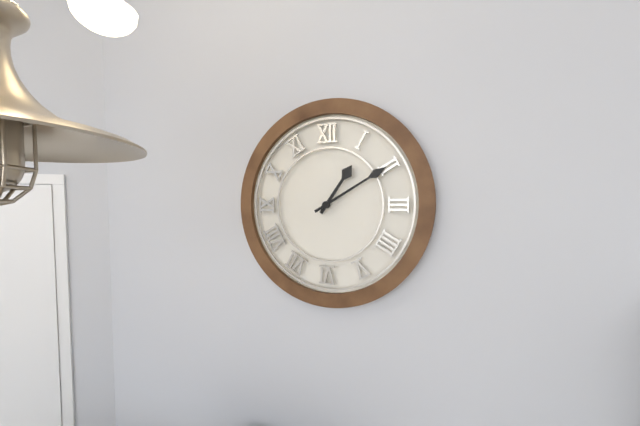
1:10
